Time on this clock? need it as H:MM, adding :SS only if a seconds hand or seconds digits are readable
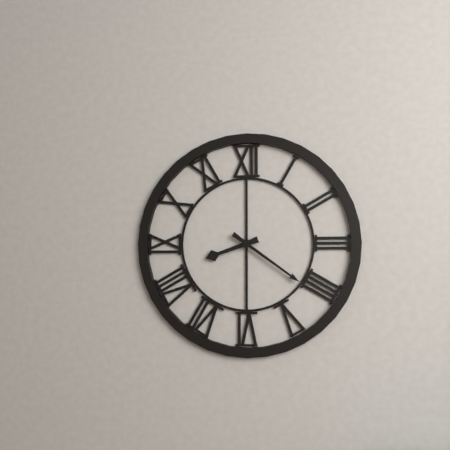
8:21
